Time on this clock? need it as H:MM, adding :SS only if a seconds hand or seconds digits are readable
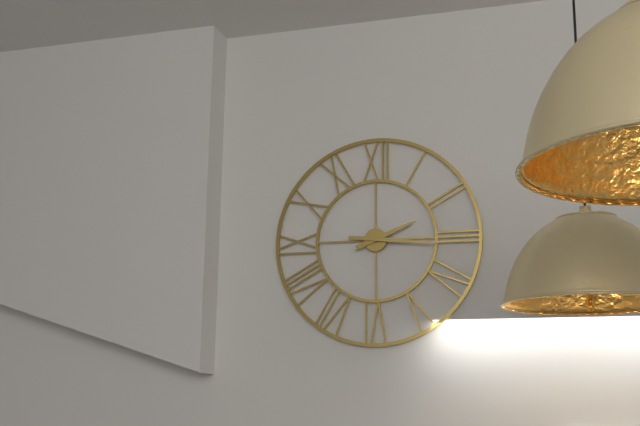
2:16
